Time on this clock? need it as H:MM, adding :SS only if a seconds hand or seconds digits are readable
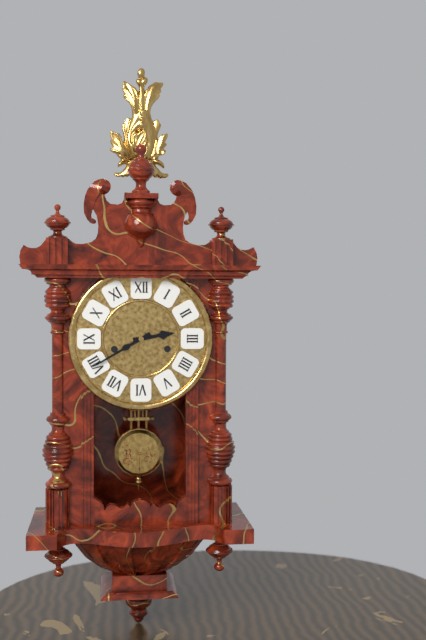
2:40
